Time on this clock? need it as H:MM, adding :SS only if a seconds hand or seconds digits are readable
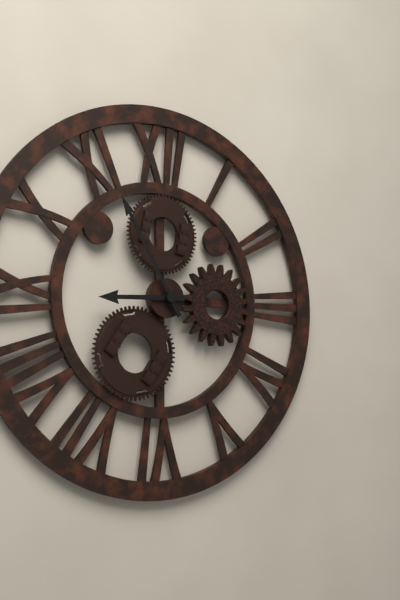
8:55
